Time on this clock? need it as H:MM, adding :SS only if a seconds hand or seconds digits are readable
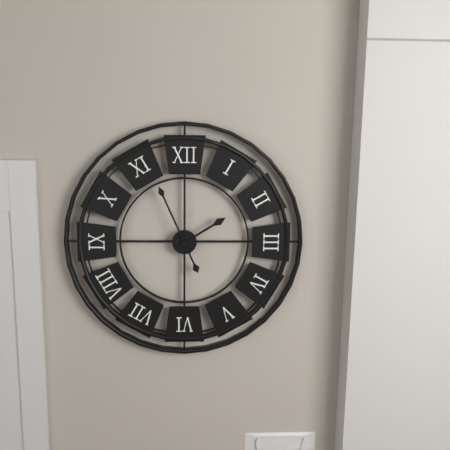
1:56
